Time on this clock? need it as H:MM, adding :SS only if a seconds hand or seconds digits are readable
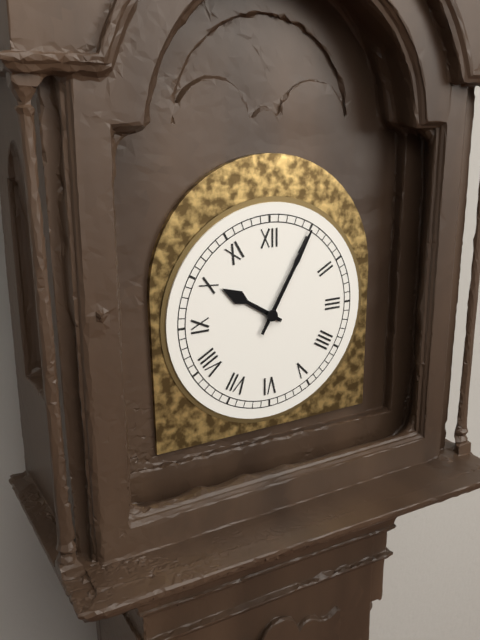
10:05
